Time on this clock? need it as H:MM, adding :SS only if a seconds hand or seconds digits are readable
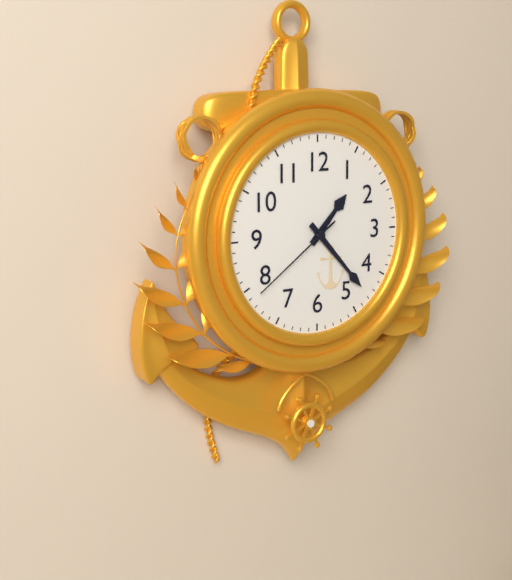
1:23:39
